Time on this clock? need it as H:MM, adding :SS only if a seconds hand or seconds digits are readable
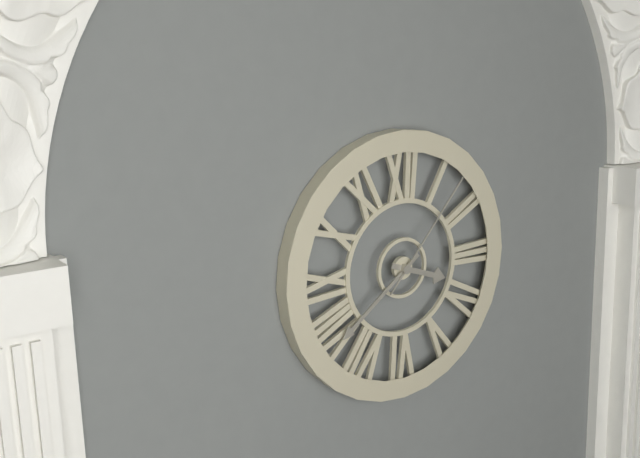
3:39:07
